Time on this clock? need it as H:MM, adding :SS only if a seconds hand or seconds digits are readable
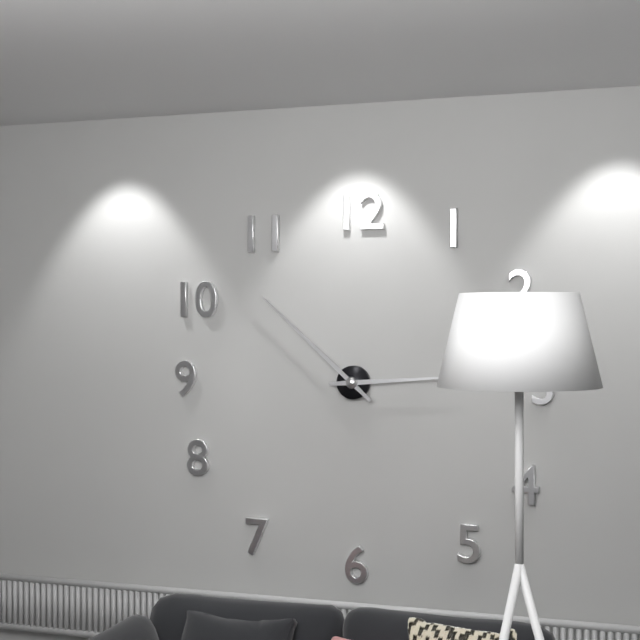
2:52
